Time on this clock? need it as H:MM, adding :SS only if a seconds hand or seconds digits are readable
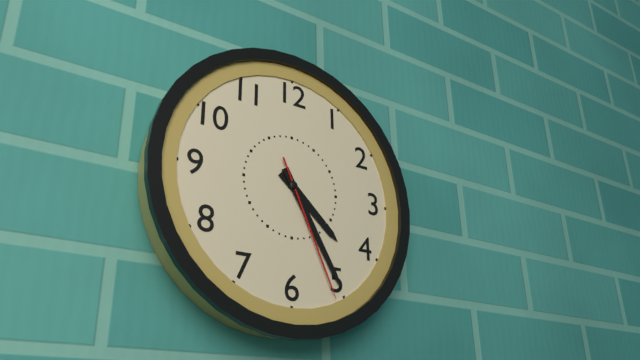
4:25:26
